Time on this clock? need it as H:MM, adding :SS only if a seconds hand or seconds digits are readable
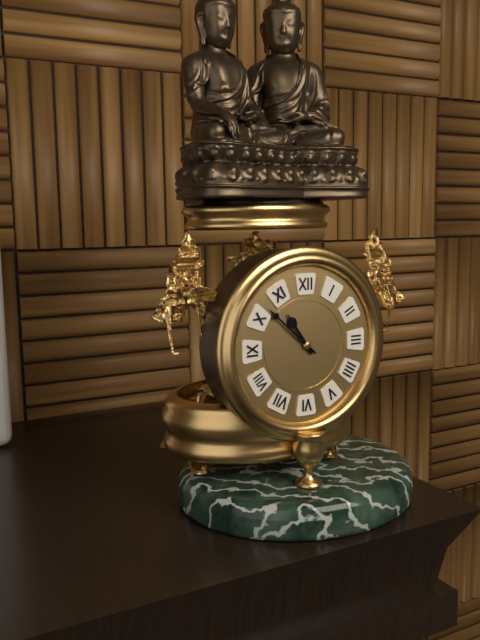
10:52
